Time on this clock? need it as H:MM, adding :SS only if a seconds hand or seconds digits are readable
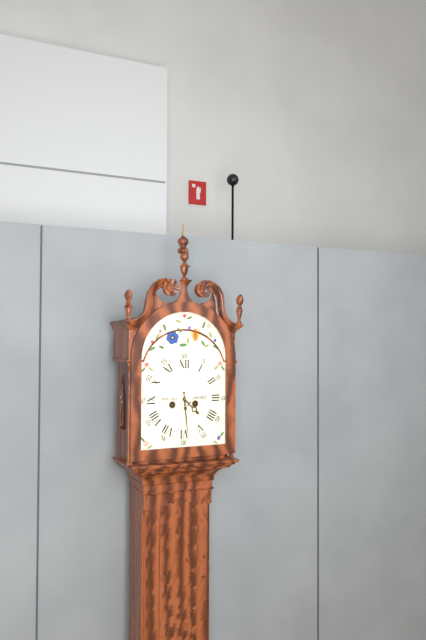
4:29
